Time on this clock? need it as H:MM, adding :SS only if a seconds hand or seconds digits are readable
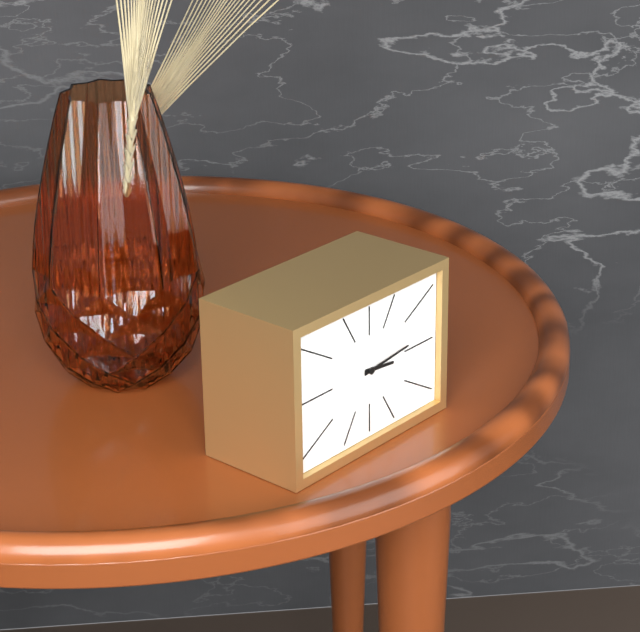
3:14
